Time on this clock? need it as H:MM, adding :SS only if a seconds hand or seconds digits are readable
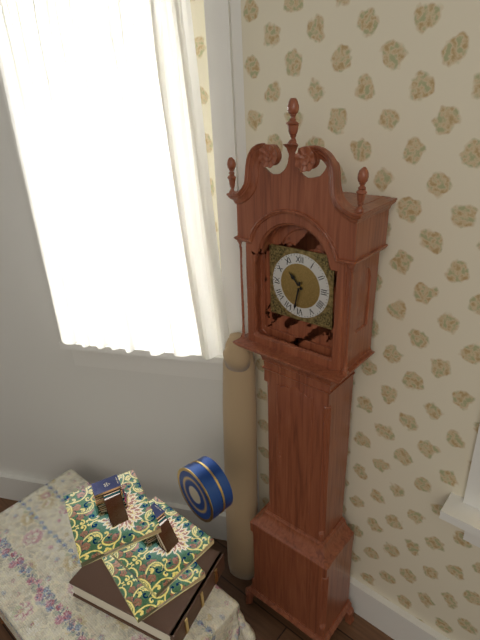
10:32
